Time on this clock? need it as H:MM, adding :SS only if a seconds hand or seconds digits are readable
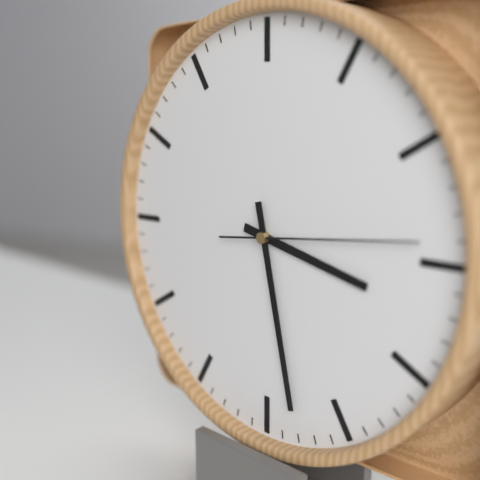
3:28:14
